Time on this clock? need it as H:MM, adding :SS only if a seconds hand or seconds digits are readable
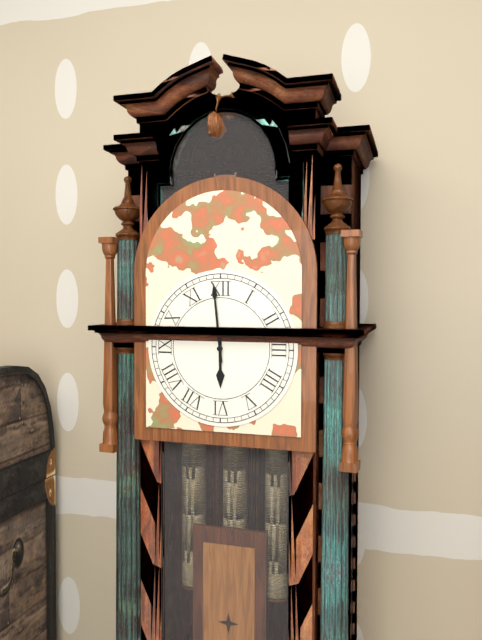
5:59
